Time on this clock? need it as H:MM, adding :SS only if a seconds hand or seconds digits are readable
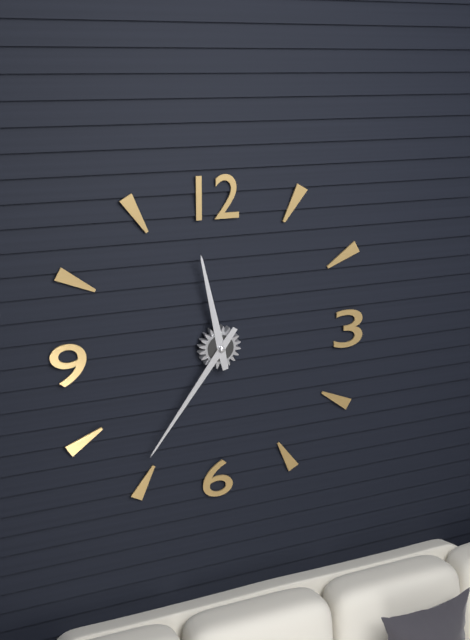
11:36
